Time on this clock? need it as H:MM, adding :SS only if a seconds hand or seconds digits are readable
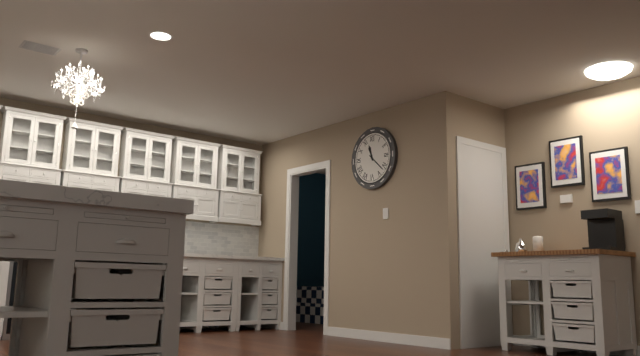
11:22
